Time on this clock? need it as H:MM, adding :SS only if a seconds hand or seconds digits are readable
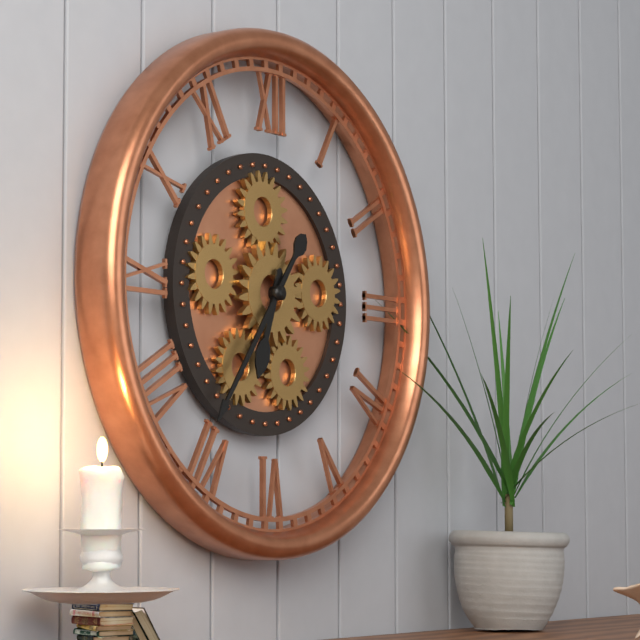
6:36
